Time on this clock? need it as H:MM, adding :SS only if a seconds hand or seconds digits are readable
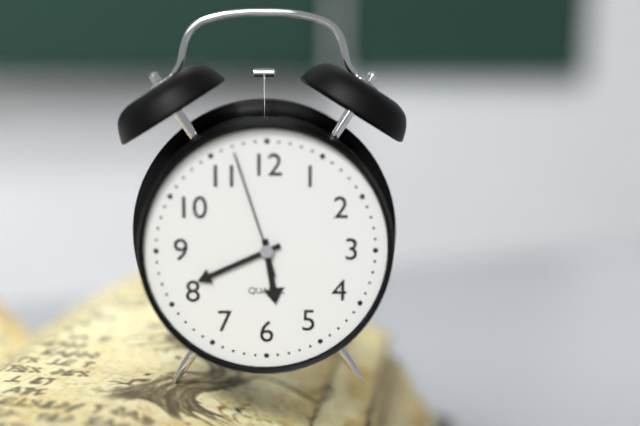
5:41:57
